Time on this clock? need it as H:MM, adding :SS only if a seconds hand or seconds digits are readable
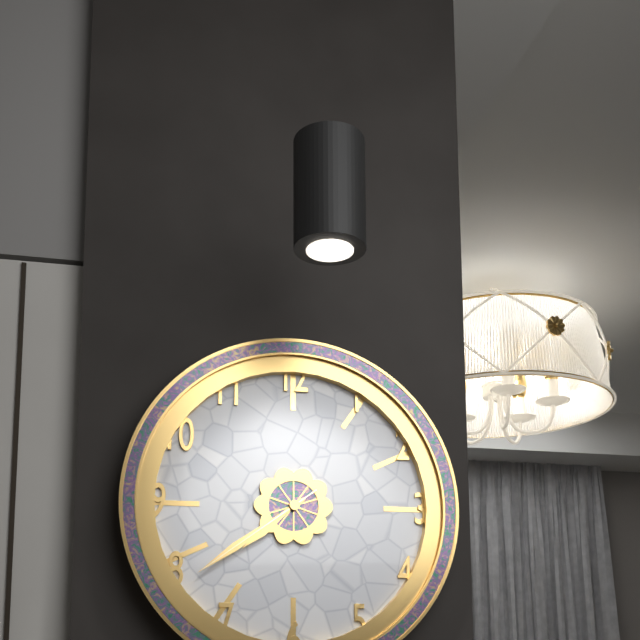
7:39:39
